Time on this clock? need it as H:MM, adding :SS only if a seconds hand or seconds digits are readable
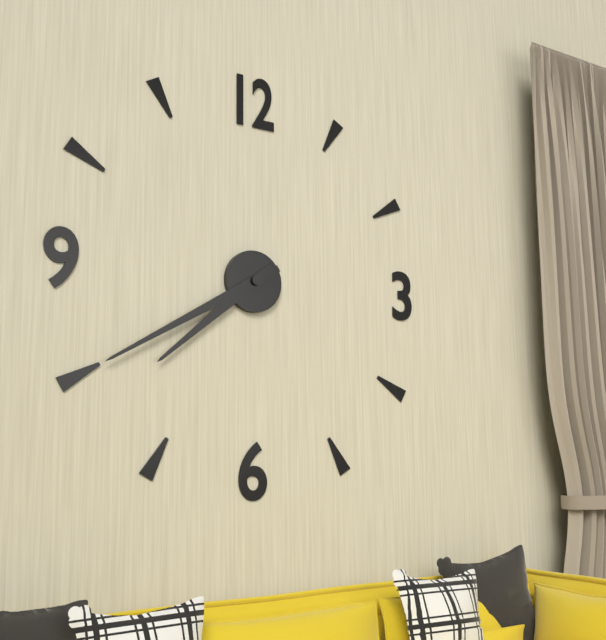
7:40
